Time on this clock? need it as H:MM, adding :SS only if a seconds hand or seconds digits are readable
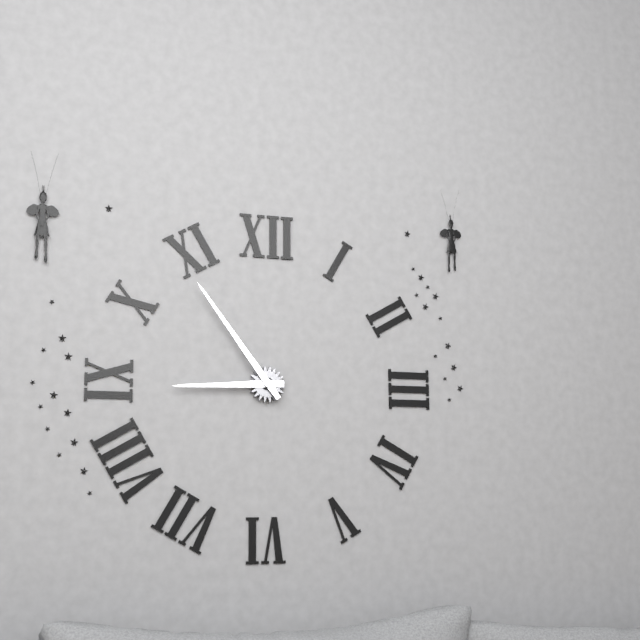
8:54
